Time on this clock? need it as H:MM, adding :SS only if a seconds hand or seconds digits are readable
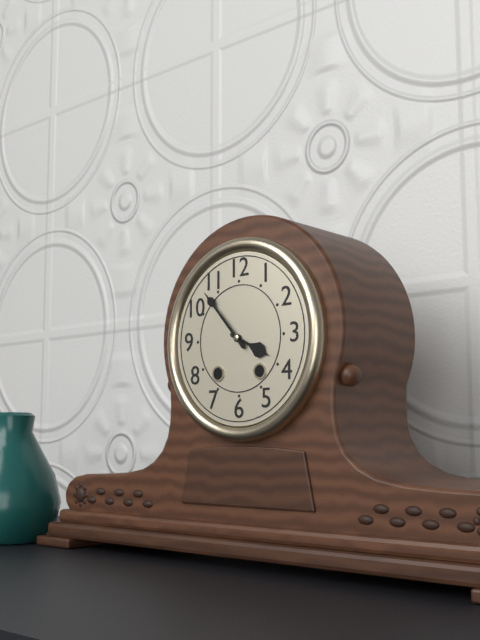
3:53
